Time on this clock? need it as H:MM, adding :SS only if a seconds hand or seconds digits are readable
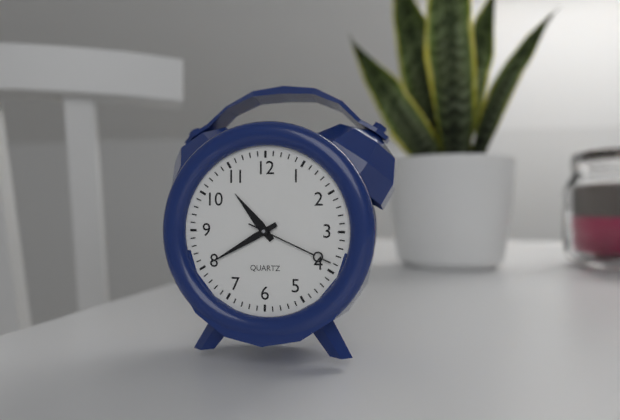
10:40:19
